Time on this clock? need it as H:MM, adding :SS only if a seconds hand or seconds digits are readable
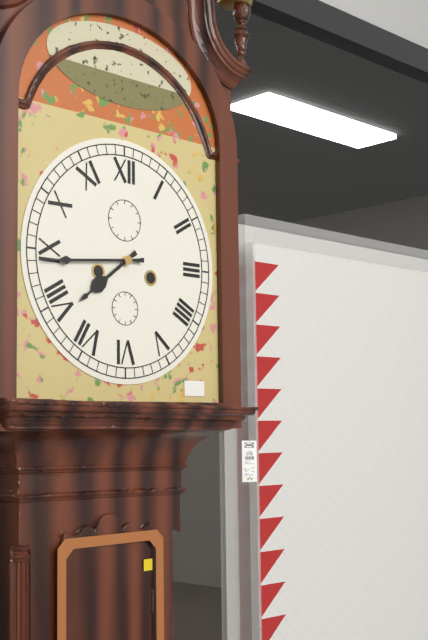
7:44
